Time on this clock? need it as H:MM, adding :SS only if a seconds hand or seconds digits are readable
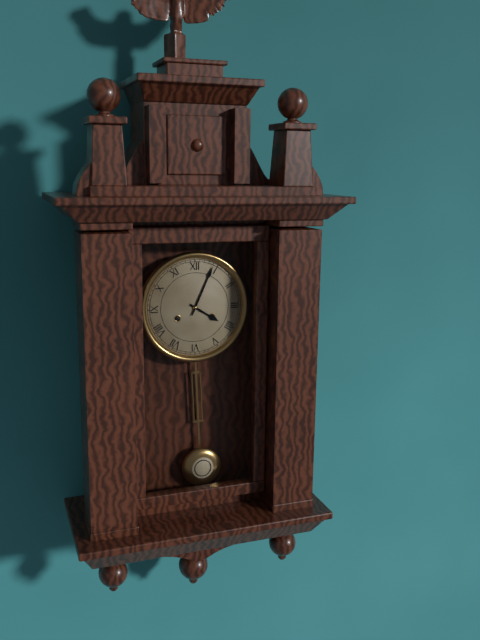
4:04
